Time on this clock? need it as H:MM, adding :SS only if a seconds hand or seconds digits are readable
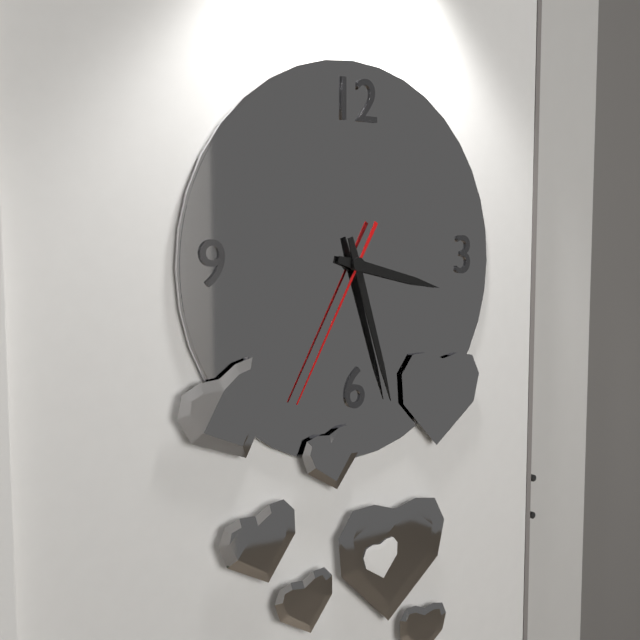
3:27:35
